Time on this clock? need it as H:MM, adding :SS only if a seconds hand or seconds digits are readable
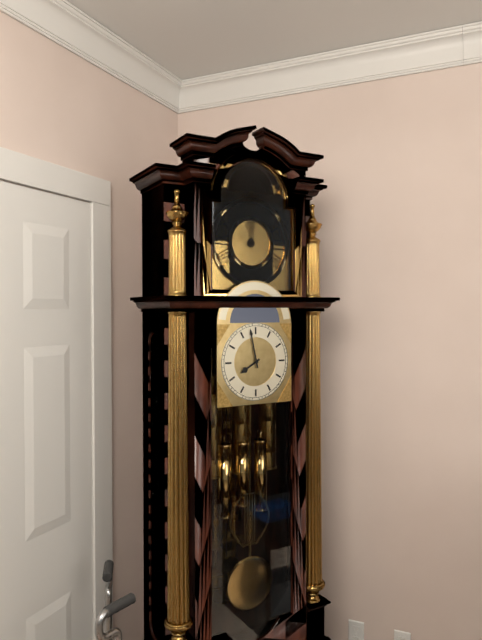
7:58
